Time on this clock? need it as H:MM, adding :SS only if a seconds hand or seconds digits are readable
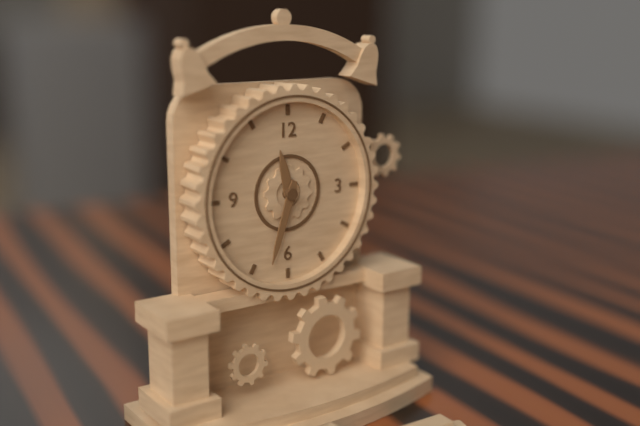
11:33
